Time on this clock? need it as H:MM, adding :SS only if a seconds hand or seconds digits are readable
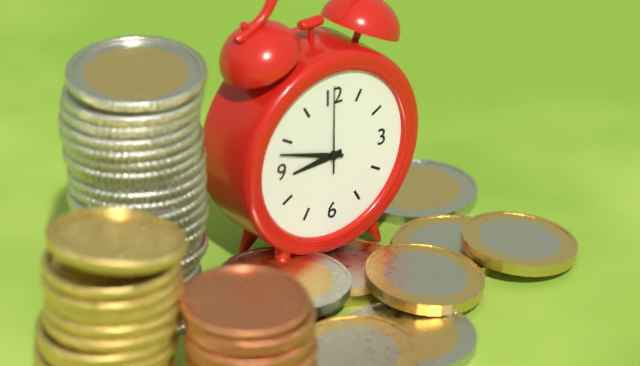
8:48:00
